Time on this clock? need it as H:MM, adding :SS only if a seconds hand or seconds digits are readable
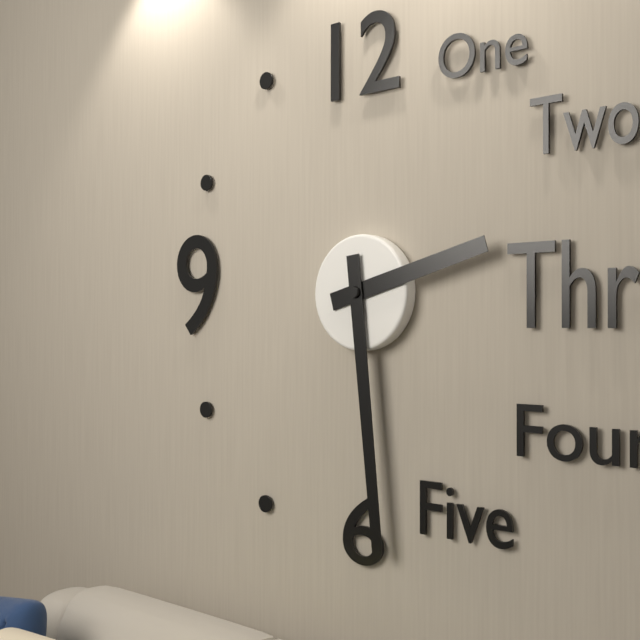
2:29
